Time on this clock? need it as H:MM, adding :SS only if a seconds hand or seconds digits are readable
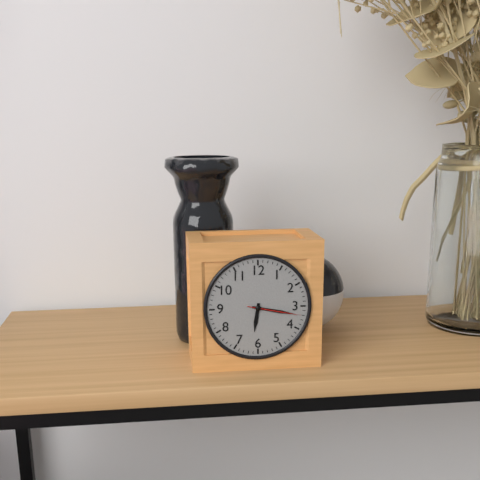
6:17:17
